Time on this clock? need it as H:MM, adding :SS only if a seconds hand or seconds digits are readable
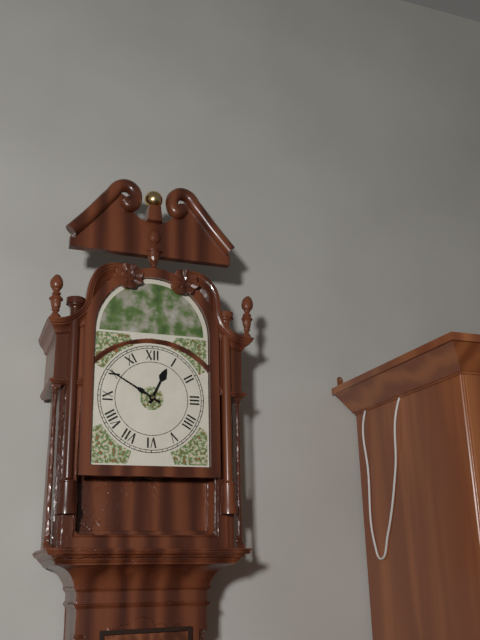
12:50
